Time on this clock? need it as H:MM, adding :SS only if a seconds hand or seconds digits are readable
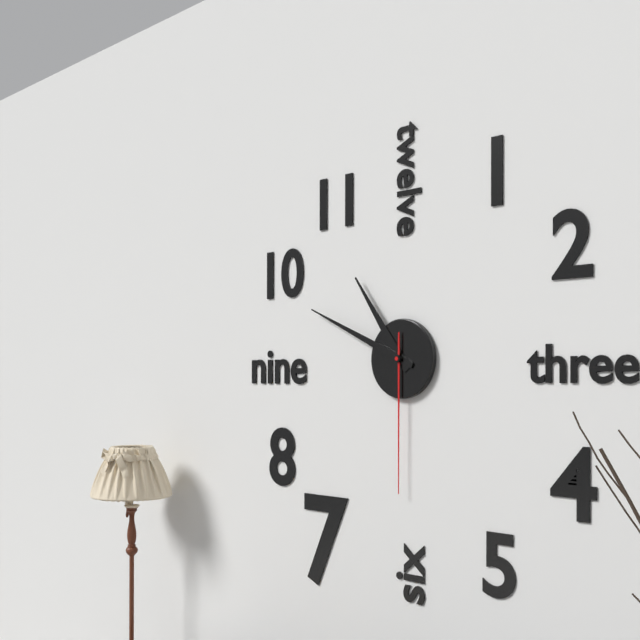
10:49:30
